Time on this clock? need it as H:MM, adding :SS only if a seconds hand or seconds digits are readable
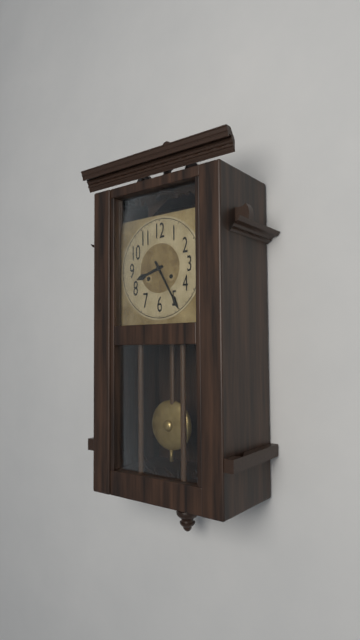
8:25
